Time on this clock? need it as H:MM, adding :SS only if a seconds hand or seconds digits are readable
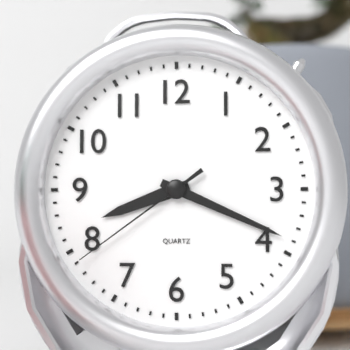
8:19:39
